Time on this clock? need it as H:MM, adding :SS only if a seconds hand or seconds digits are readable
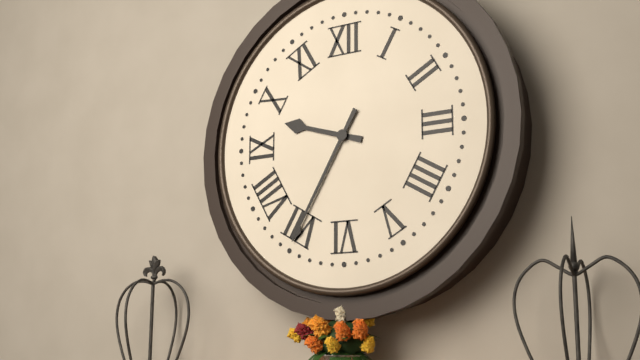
9:35
